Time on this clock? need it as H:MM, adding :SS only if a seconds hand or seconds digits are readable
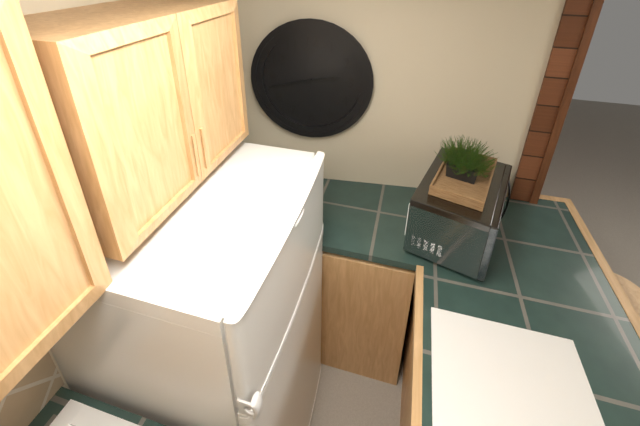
2:43
